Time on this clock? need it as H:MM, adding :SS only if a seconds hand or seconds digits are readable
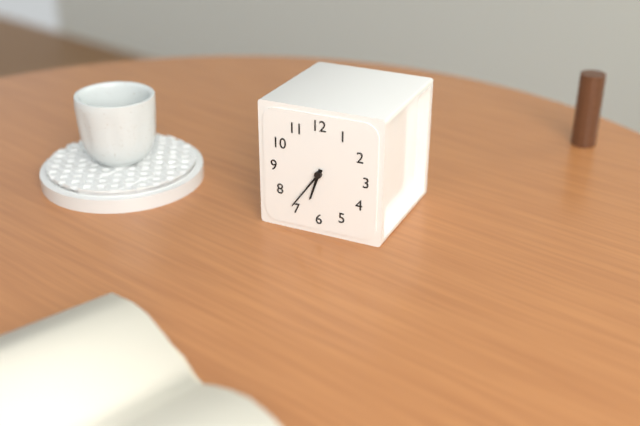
6:36
